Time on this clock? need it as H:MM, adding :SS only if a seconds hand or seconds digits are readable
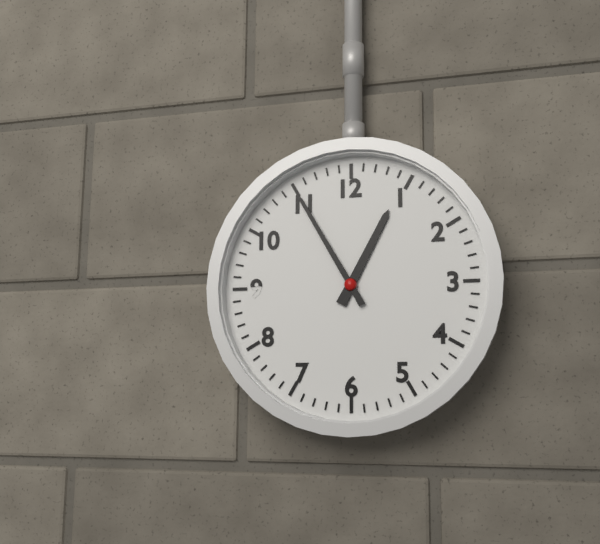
12:55
